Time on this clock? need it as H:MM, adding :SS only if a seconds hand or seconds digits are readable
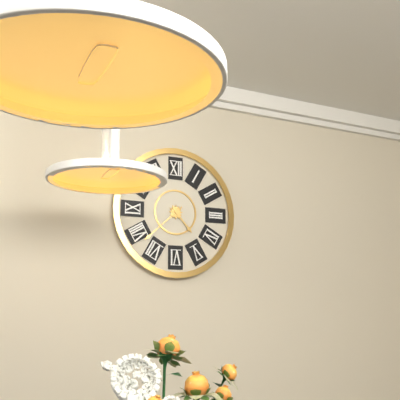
4:38
